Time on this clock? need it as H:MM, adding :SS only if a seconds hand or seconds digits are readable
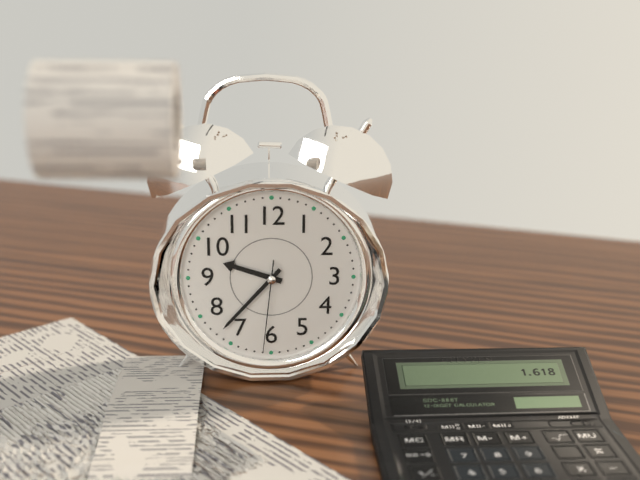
9:37:31
